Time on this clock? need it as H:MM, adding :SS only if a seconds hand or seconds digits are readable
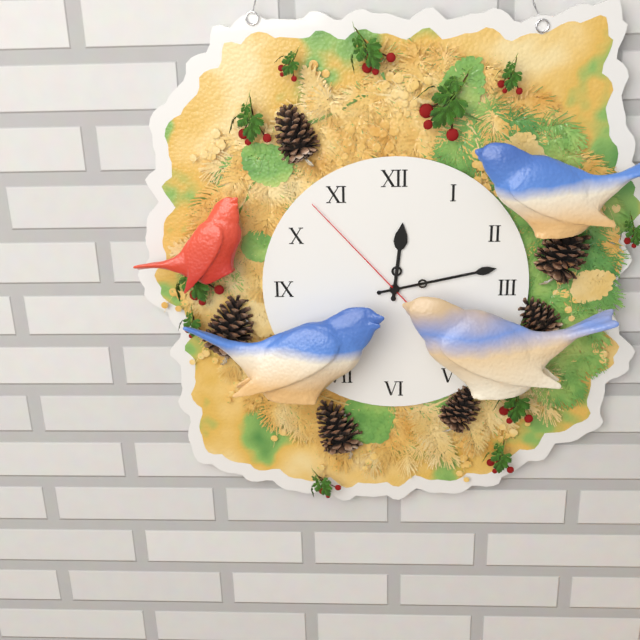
12:13:53
